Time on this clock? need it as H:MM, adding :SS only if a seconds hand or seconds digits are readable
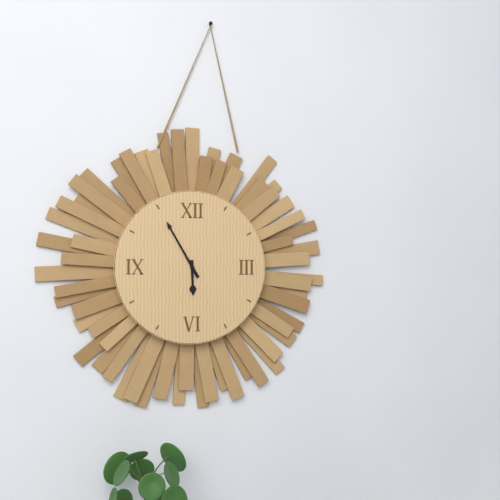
5:55
